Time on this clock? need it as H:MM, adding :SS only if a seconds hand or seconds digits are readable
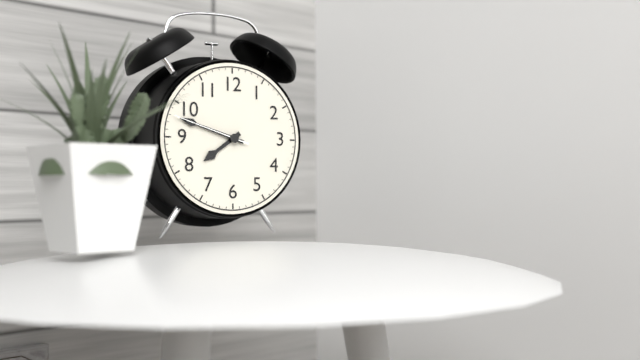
7:48:48
